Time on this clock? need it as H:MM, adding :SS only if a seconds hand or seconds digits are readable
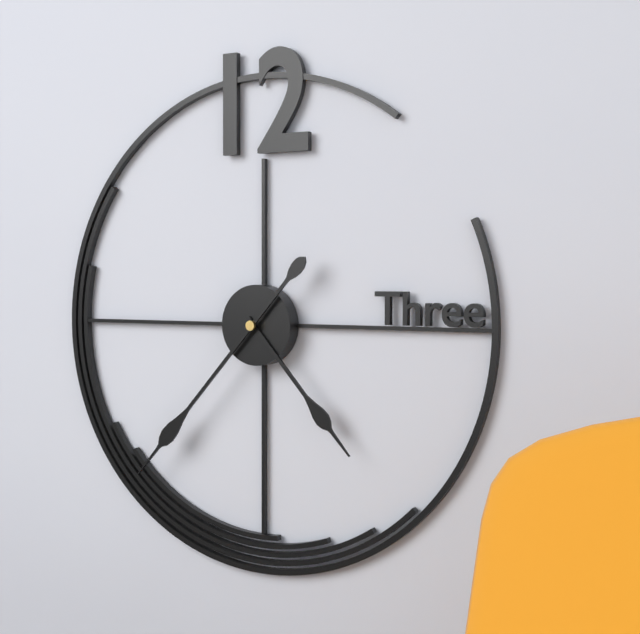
4:37
